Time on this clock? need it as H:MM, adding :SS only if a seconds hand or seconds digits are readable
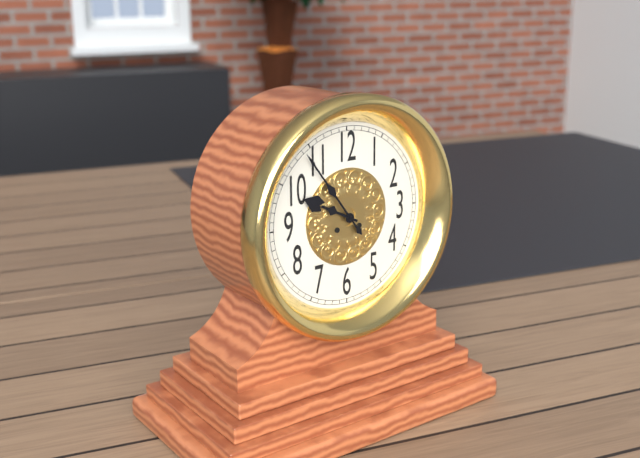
9:54
